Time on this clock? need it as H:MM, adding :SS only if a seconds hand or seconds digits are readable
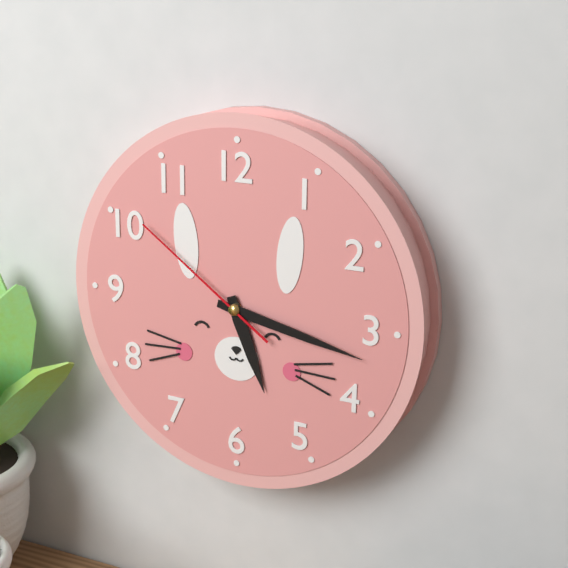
5:17:51
